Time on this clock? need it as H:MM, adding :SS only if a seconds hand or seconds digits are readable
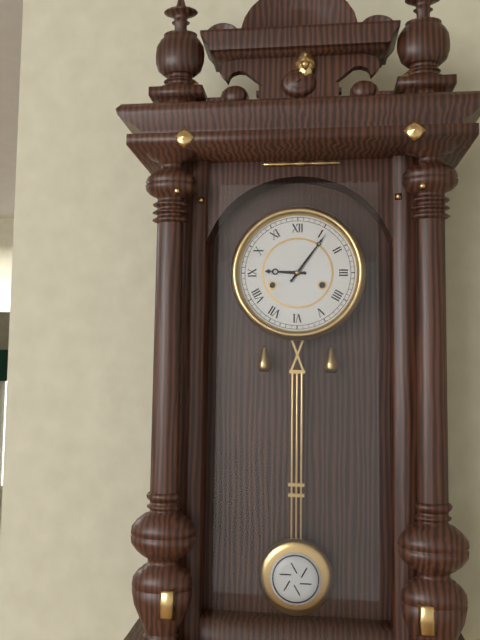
9:06
